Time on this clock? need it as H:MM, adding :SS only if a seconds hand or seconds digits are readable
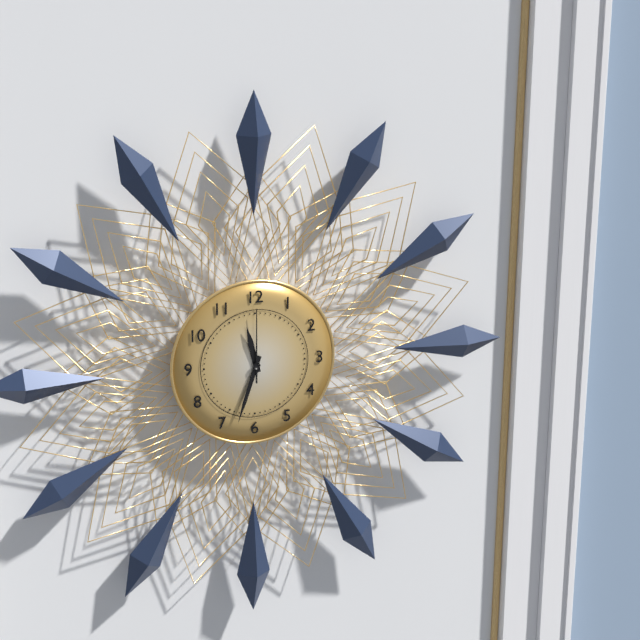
11:33:00
